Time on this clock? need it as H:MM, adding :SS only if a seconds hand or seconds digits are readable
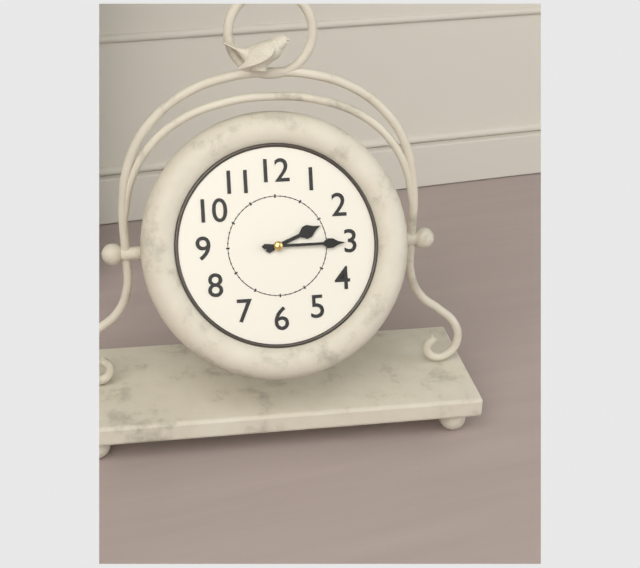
2:15
